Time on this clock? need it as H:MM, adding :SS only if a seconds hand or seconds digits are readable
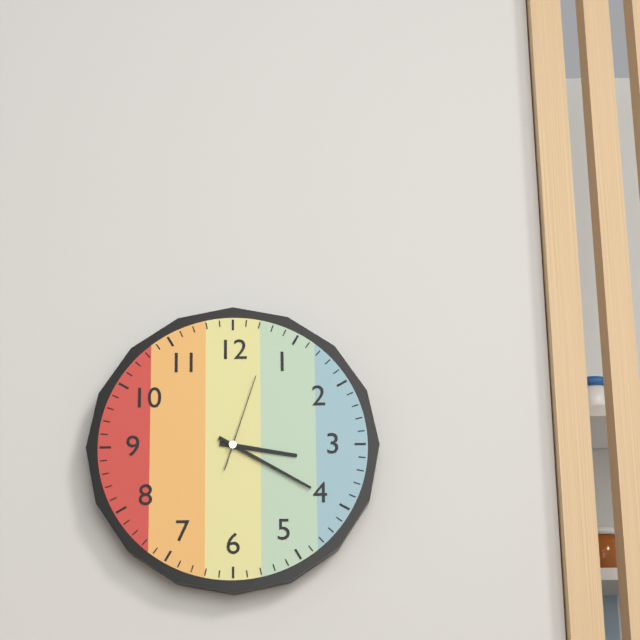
3:20:03
